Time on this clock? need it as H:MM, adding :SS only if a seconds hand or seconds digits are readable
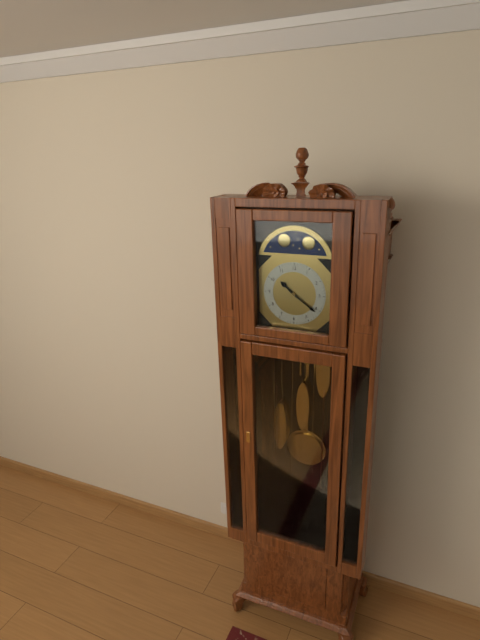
10:21
